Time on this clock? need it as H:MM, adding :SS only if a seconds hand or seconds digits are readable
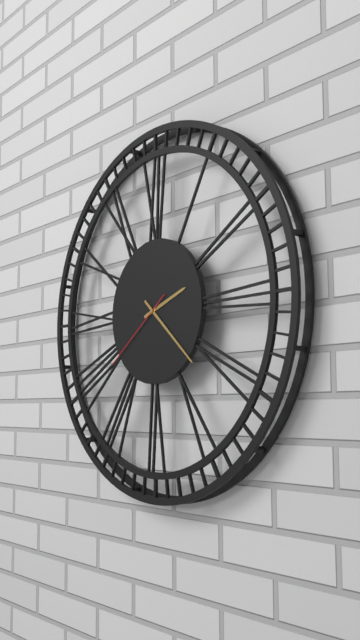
2:22:39
